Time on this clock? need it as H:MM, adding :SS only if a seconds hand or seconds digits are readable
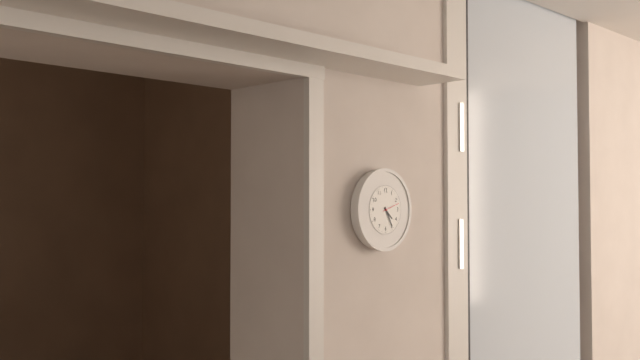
4:25
